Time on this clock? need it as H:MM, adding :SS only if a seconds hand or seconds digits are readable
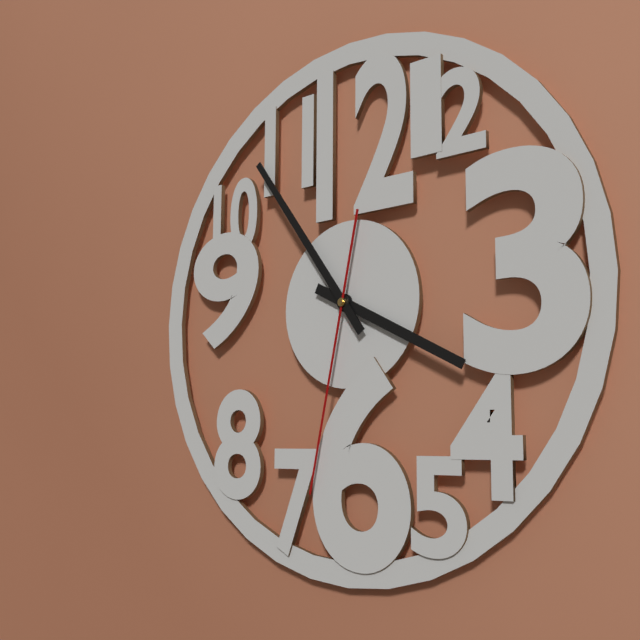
3:54:32
